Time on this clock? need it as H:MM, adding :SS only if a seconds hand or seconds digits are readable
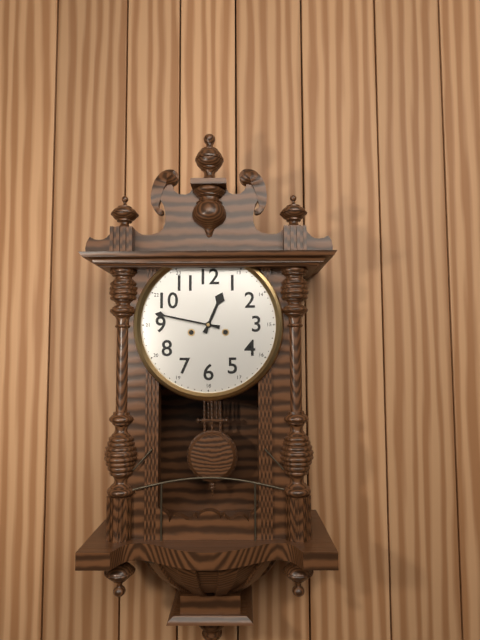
12:47
